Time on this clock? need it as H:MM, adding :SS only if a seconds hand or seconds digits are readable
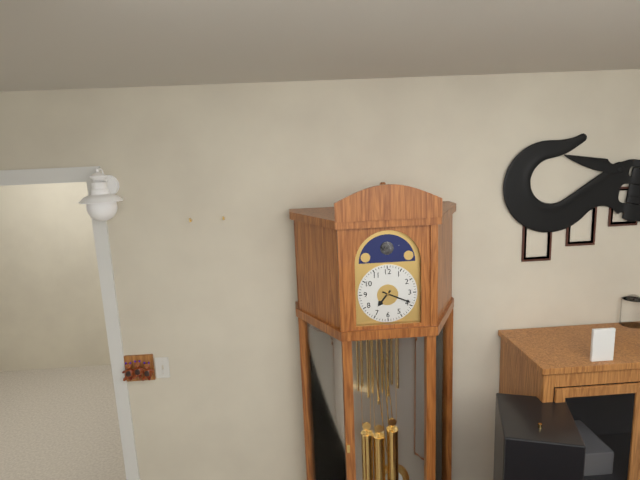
7:19
